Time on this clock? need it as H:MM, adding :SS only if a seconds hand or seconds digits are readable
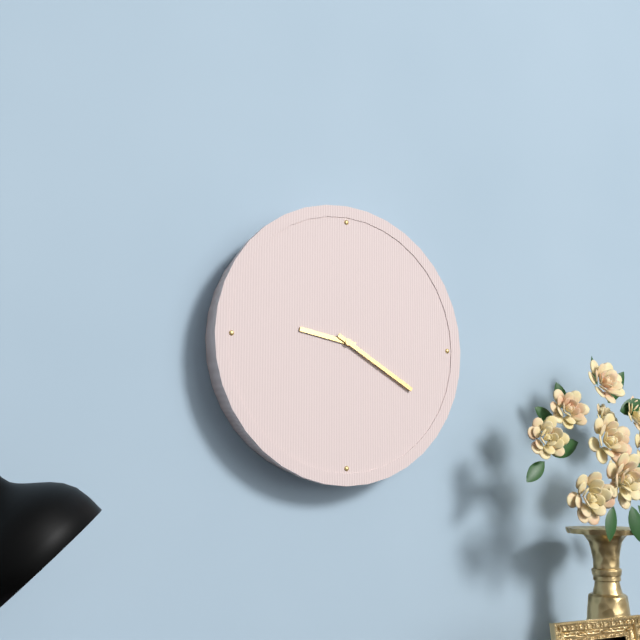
9:20
